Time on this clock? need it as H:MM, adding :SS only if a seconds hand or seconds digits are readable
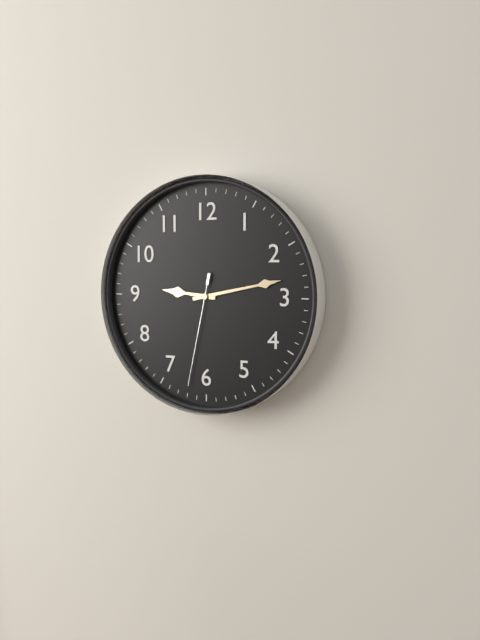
9:13:32
